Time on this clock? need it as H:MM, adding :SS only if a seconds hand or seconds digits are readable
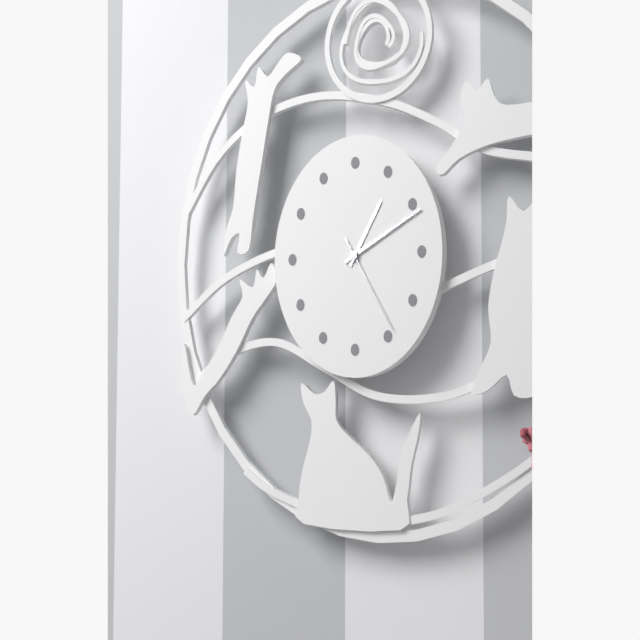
1:11:24
